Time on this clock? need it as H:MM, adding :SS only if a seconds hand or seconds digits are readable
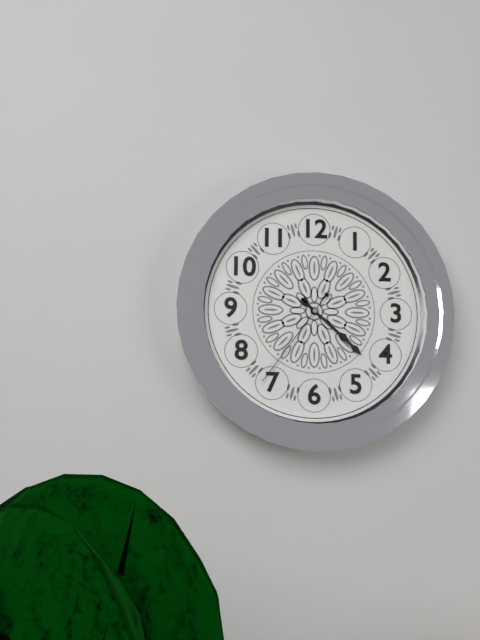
4:22:36
